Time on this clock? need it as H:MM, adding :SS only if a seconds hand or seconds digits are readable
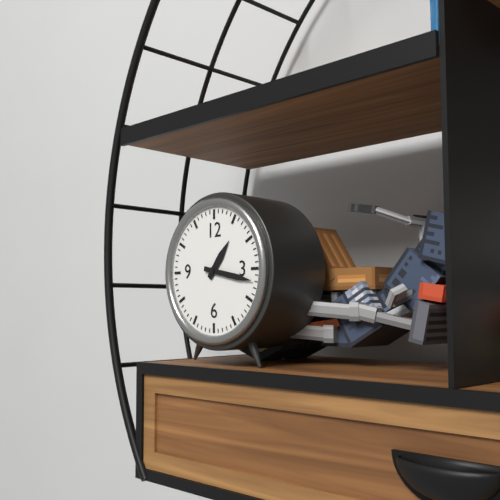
1:17
